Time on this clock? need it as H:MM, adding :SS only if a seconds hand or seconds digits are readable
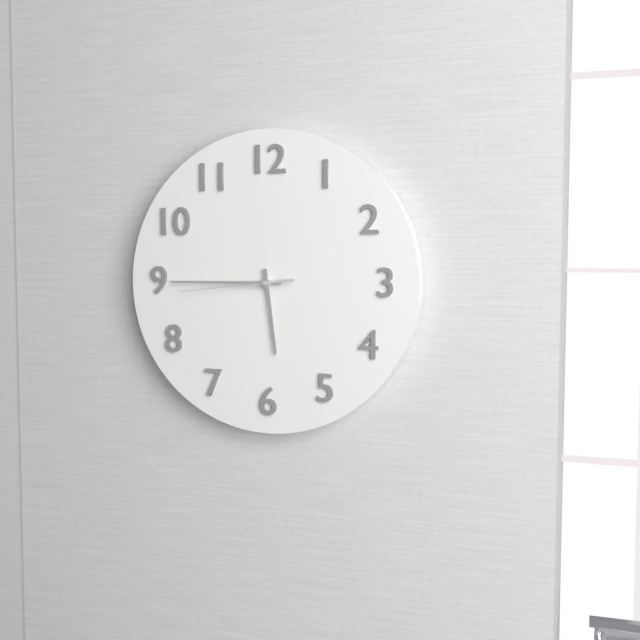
5:45:44
